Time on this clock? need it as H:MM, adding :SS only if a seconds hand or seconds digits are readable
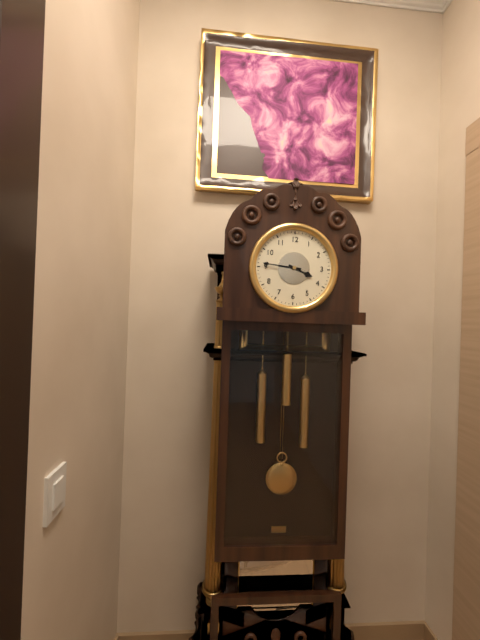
3:46
